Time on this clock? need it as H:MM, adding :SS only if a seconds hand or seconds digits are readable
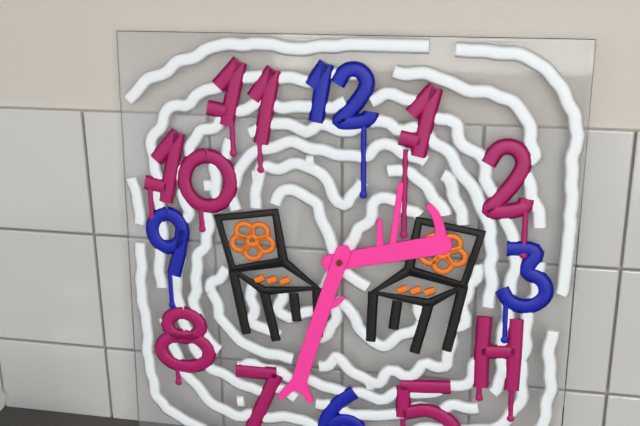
2:33
